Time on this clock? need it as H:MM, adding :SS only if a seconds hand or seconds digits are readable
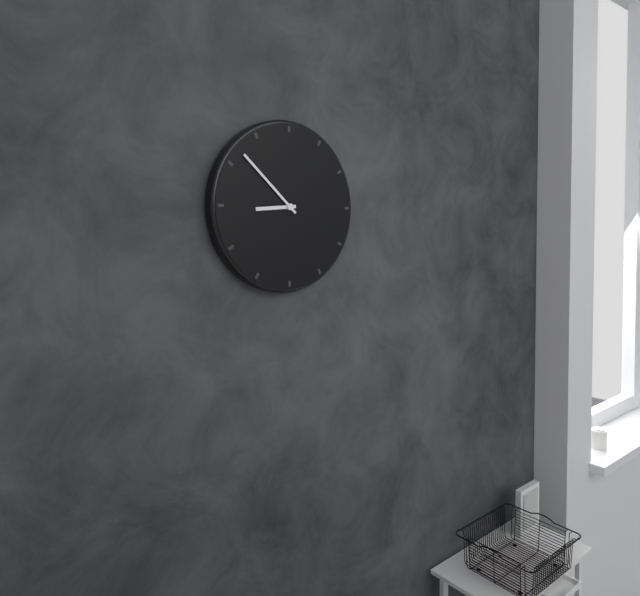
8:52
